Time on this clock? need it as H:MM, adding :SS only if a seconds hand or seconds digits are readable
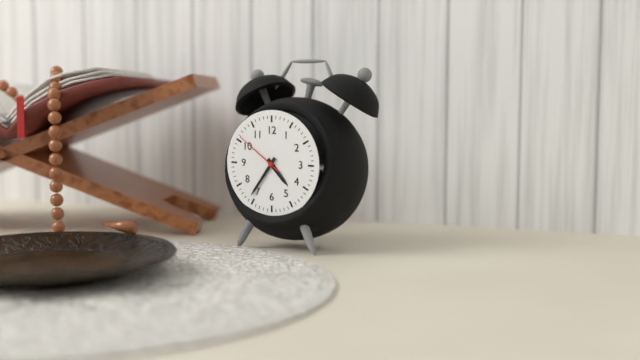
4:36:51
